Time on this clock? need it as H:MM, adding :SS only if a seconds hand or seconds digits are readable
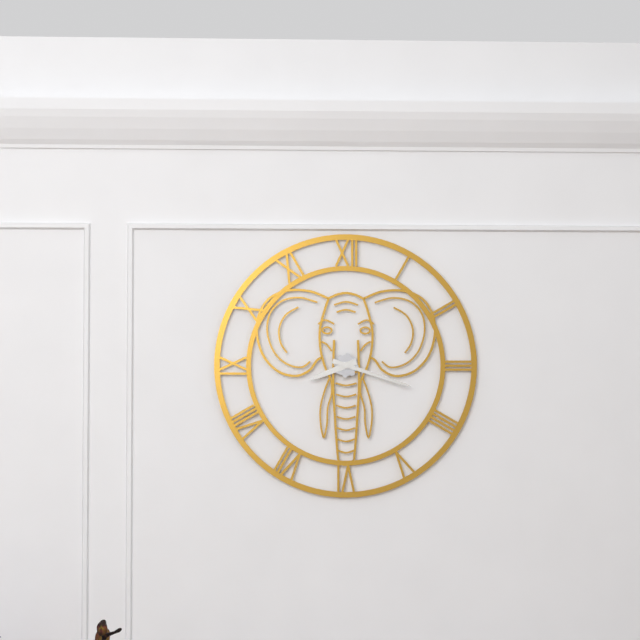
8:18
